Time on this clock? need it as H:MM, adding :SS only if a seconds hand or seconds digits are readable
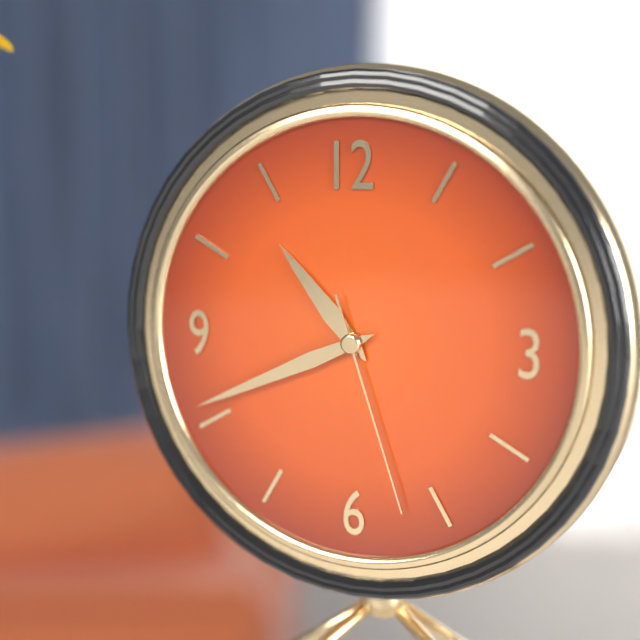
10:41:27
